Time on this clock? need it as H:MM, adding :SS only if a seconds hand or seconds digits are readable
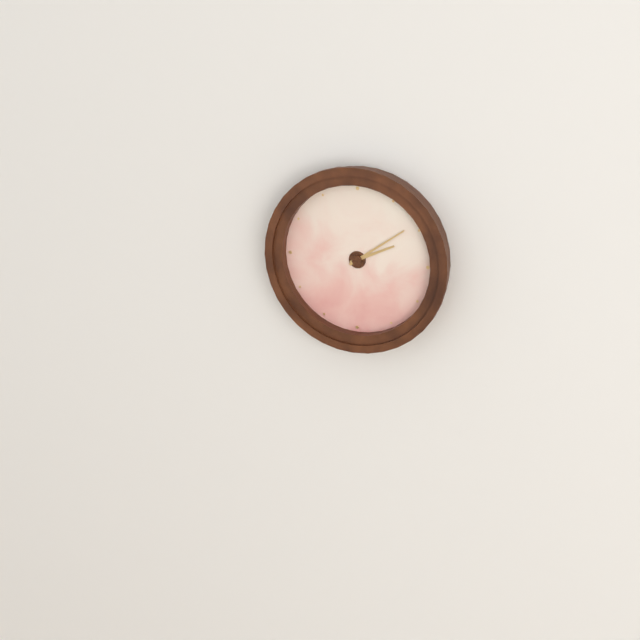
2:09
